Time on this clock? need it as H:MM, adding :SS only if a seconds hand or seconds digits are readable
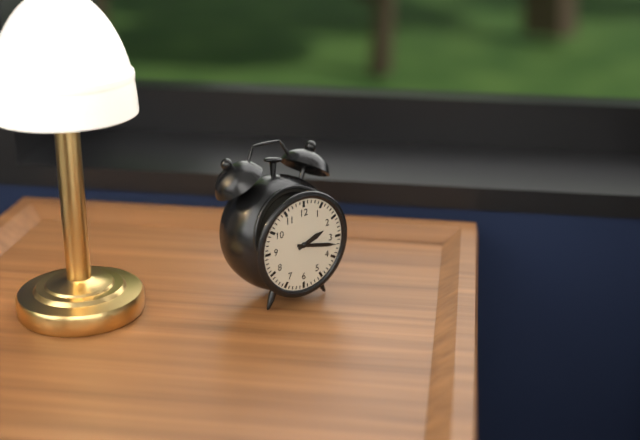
2:17
